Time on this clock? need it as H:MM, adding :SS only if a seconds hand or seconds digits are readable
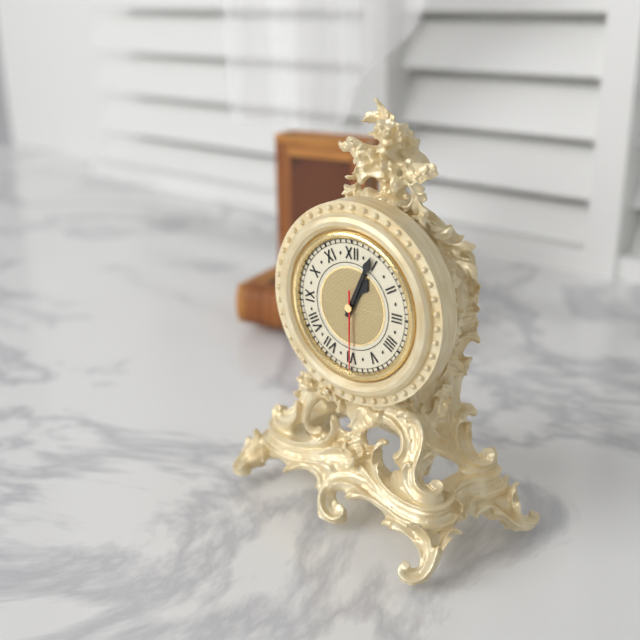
1:04:30
